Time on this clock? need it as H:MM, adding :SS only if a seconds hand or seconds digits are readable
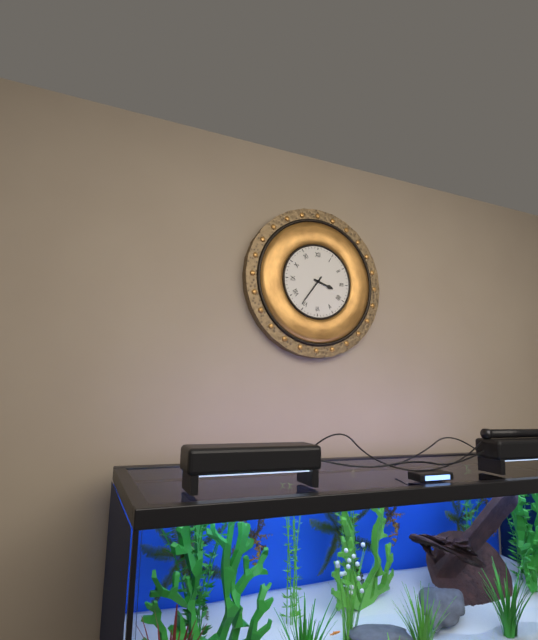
3:36
